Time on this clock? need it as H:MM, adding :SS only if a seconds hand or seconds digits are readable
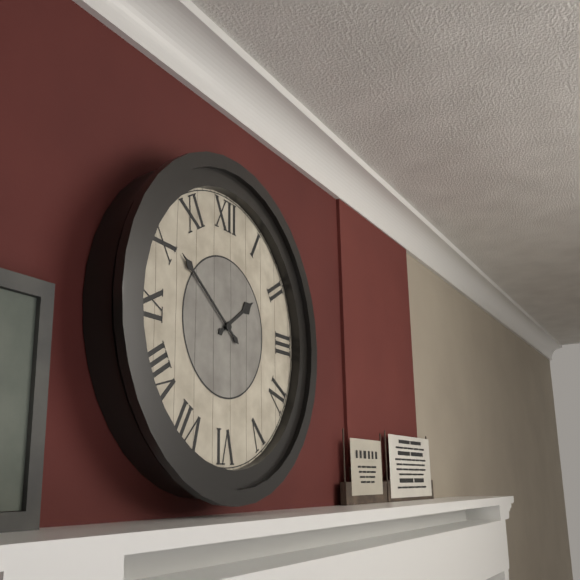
1:51
